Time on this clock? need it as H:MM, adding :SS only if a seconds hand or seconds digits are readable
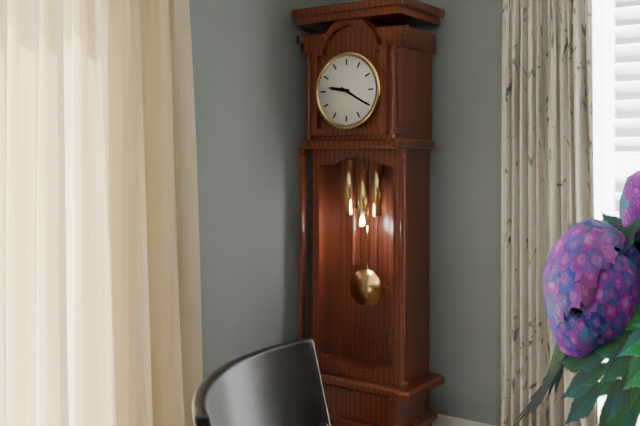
9:20
